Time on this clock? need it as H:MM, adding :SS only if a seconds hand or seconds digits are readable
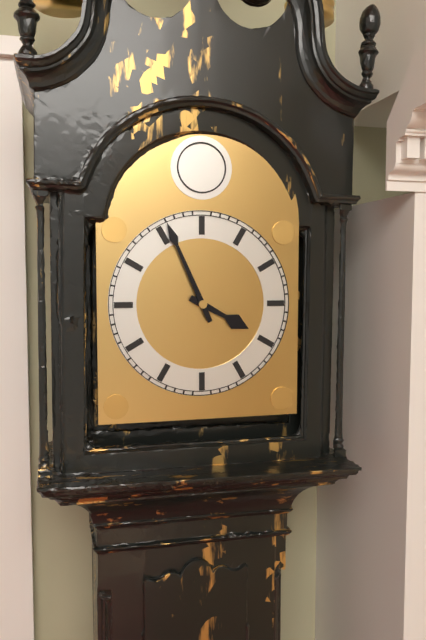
3:56
